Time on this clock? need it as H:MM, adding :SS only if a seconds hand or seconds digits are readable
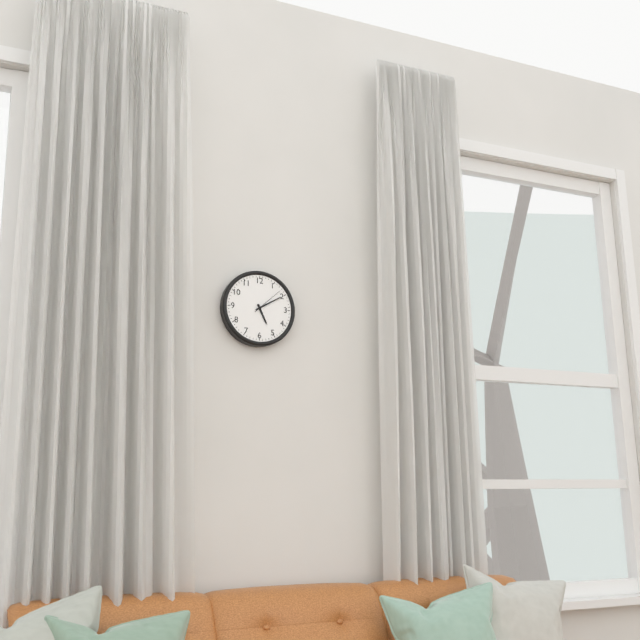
5:10
